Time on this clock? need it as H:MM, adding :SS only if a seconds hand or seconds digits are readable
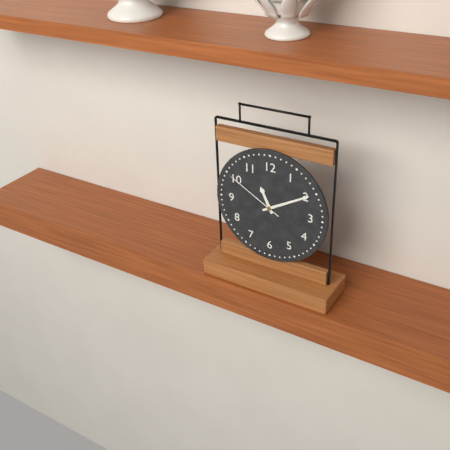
11:10:50
